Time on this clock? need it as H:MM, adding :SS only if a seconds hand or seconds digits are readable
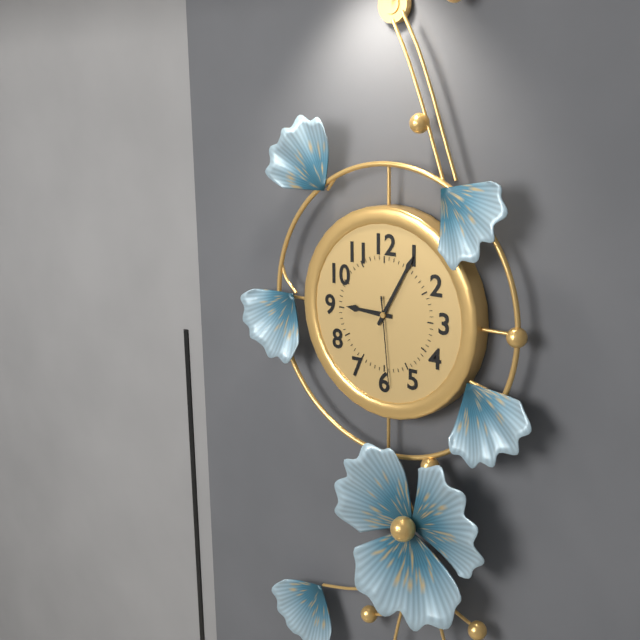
9:05:29
